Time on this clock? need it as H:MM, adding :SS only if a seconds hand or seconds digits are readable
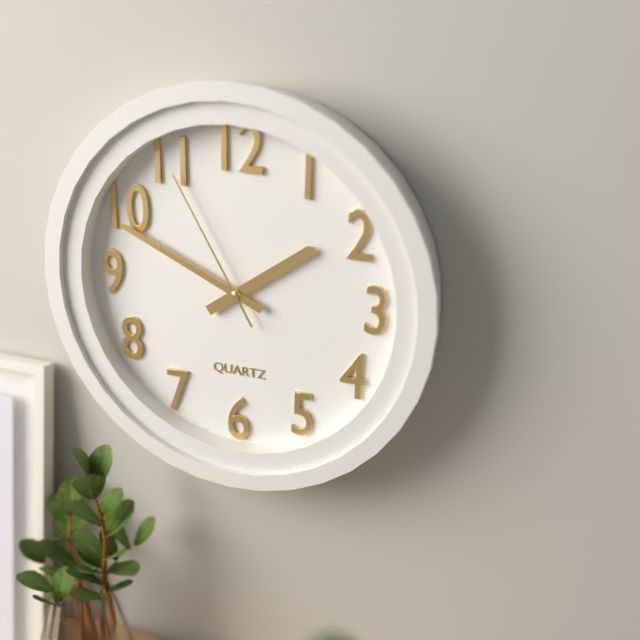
1:49:55
